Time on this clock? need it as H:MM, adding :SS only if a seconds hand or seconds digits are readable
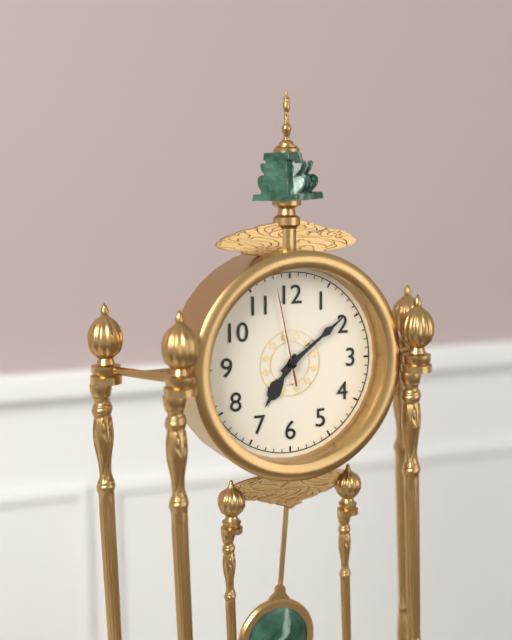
7:09:58
